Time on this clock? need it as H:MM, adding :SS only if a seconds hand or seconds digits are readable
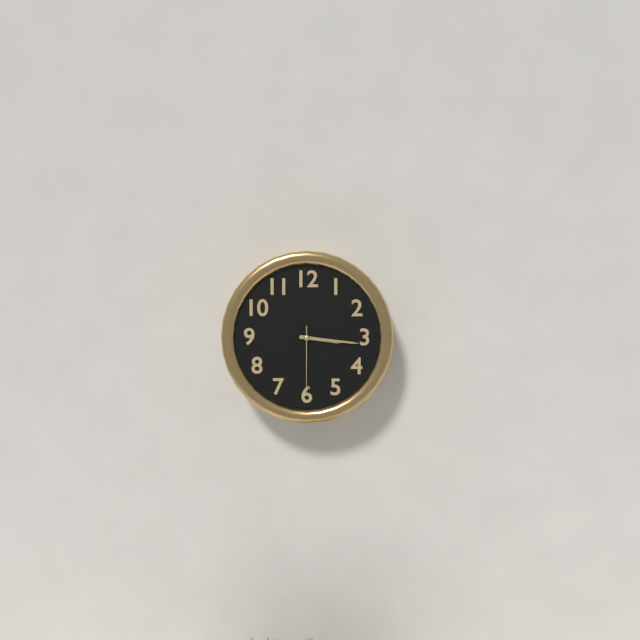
3:16:30
